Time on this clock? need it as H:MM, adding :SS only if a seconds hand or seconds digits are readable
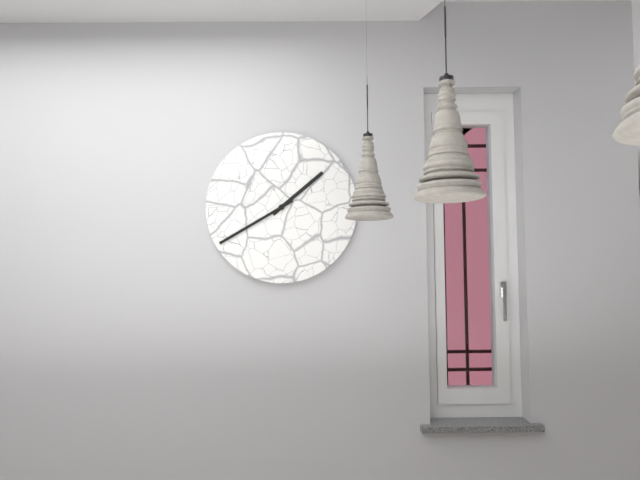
1:40
